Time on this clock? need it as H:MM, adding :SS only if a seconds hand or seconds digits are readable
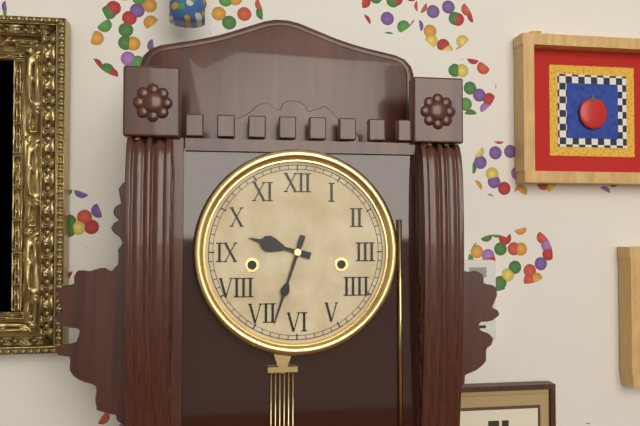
9:33
